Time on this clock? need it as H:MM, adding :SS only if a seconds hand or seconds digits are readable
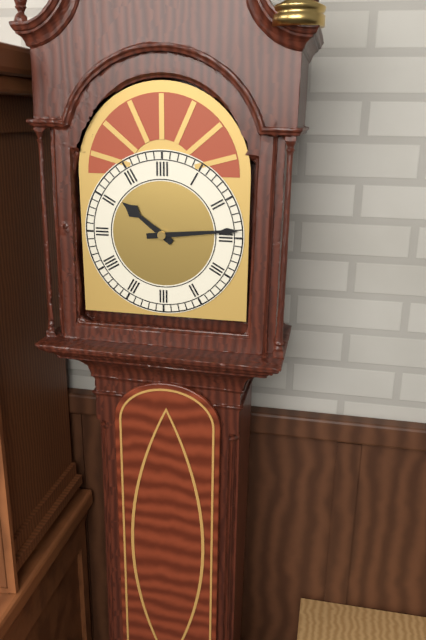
10:14
